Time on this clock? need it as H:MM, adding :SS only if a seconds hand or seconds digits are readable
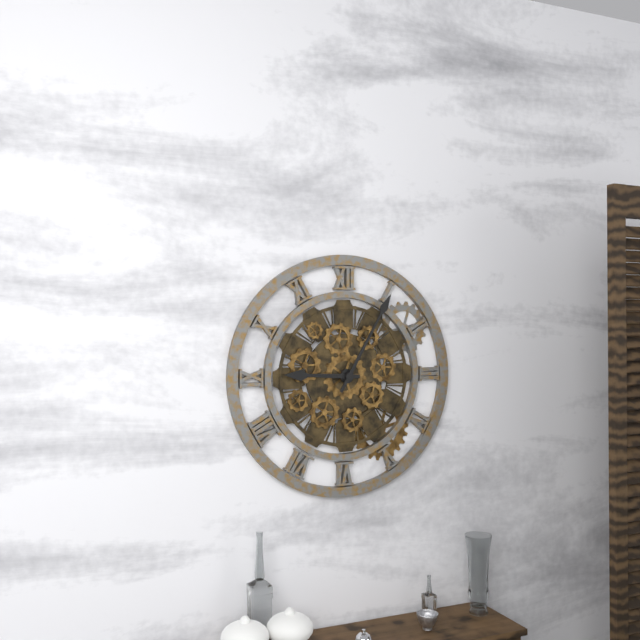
9:05
